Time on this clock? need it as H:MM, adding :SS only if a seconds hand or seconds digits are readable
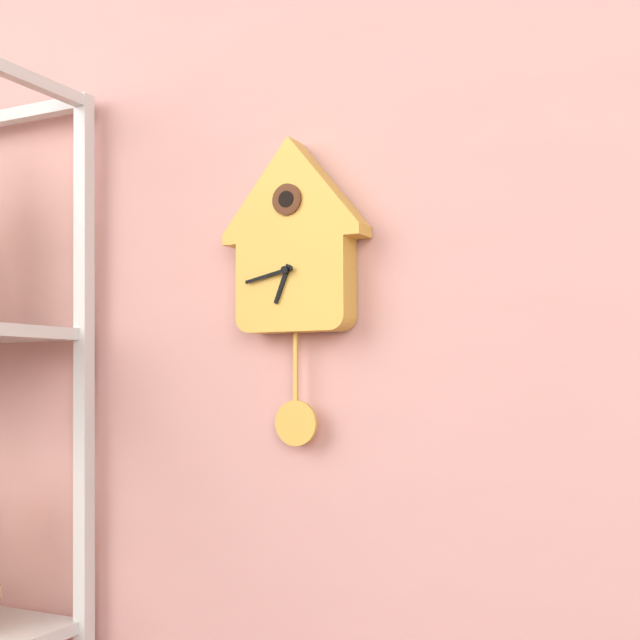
6:43
